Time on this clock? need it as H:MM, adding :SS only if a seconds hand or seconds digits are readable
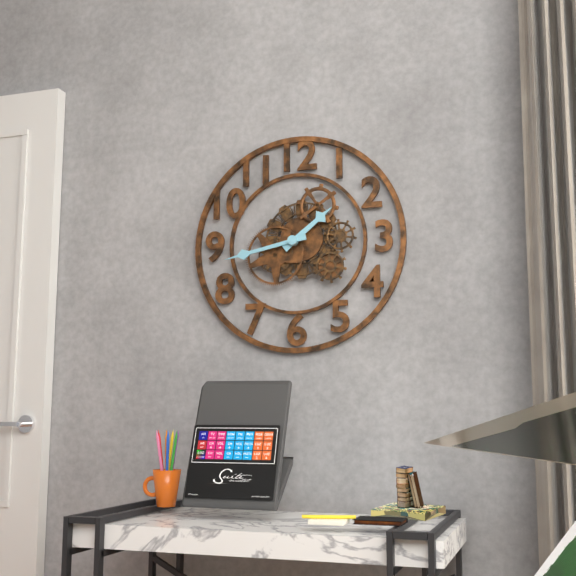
1:43
